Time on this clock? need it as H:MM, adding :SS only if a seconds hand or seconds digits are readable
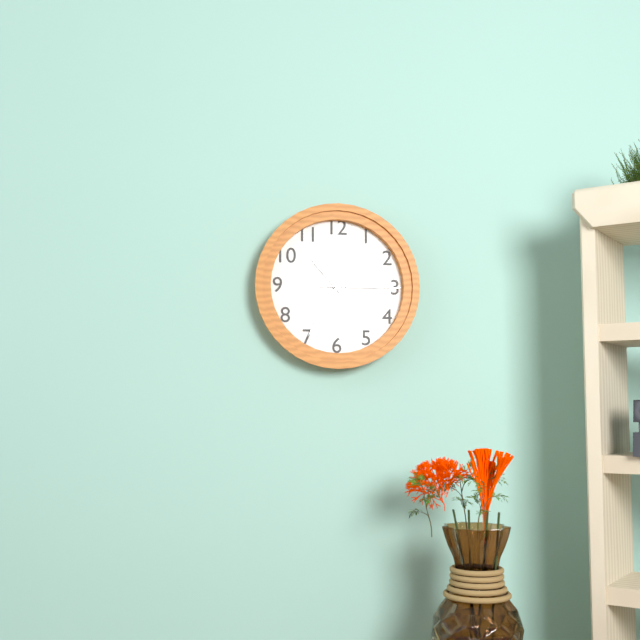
10:35:15
